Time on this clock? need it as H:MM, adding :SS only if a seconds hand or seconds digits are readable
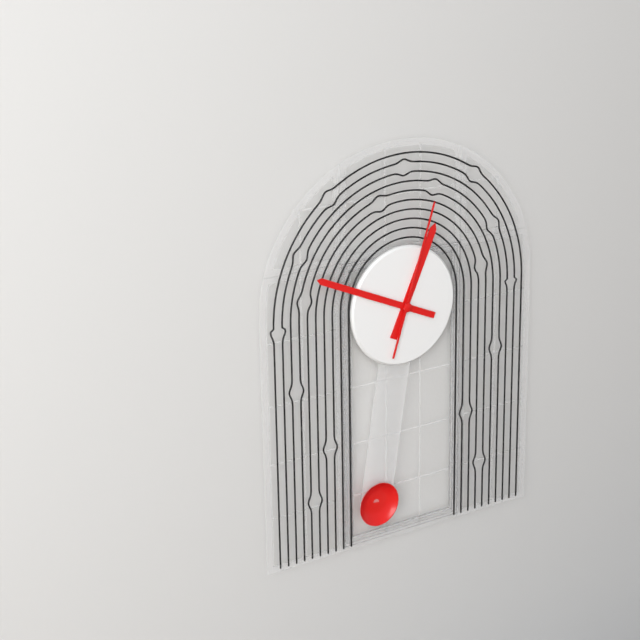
12:49:03
